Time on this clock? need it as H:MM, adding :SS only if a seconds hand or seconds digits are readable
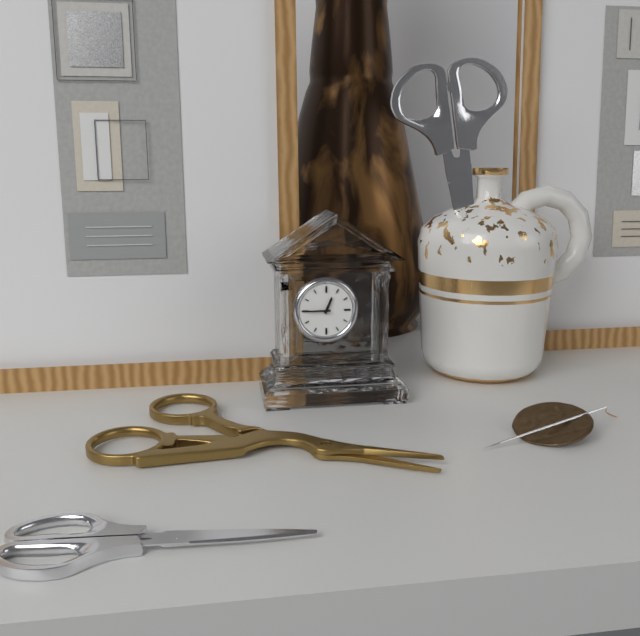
12:45
